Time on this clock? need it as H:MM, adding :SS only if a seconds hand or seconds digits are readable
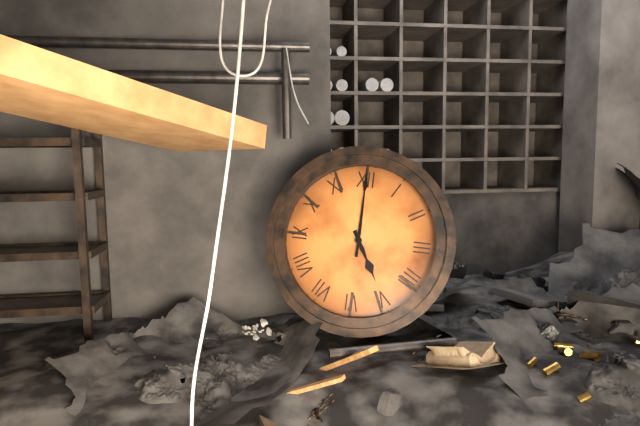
5:00
